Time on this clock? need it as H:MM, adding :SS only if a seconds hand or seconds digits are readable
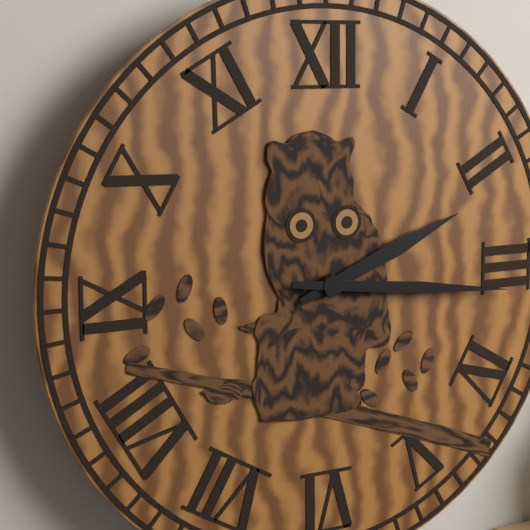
2:16
